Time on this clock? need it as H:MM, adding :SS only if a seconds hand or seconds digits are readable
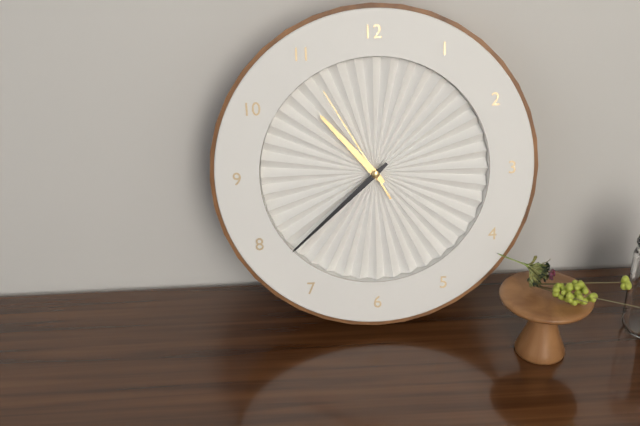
10:38:55
